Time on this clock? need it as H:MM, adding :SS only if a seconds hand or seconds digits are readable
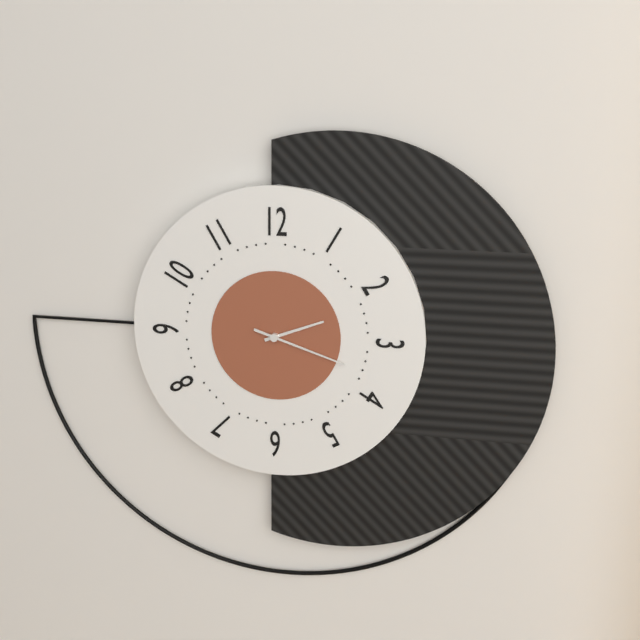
2:18
